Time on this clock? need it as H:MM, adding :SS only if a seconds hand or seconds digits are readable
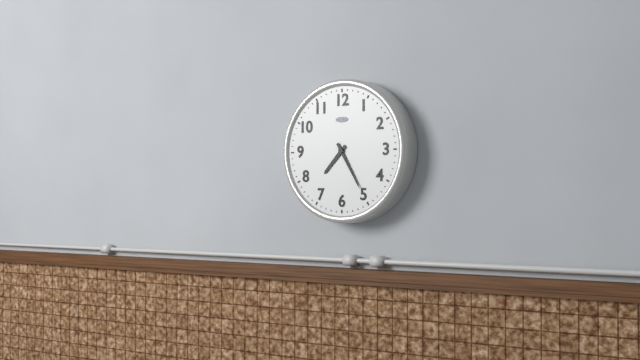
7:25
